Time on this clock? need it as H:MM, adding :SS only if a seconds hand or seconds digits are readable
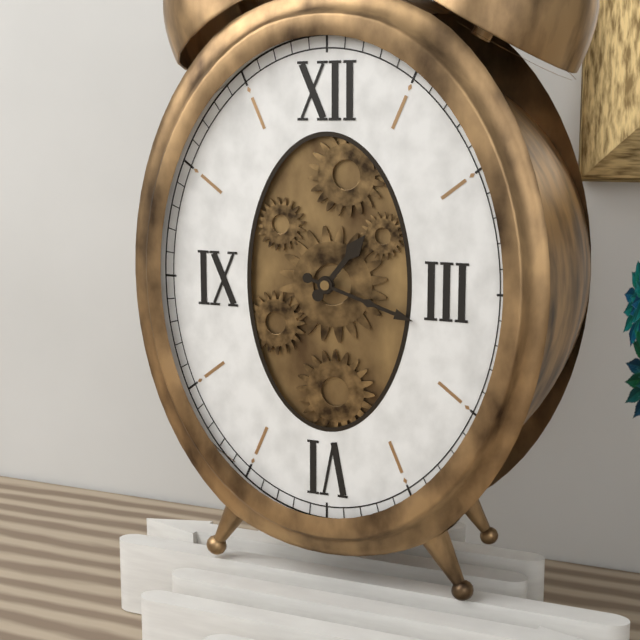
1:18
